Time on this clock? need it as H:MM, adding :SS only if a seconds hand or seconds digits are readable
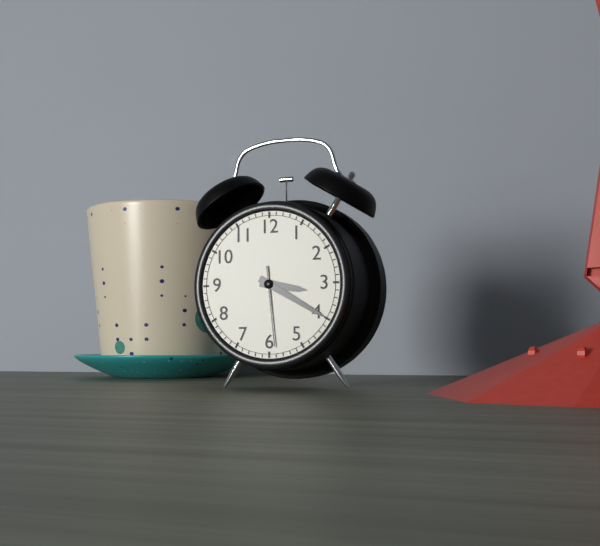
3:20:29
